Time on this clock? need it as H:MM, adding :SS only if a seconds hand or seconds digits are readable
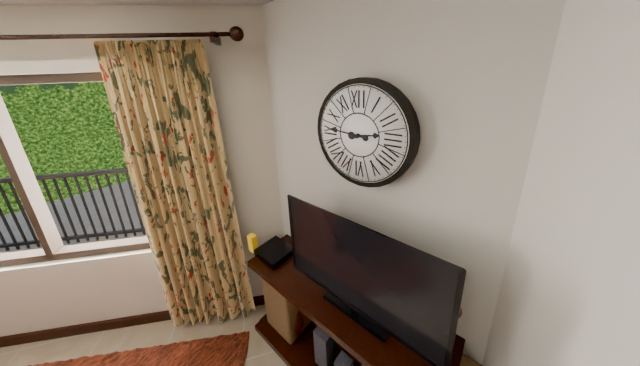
2:46
